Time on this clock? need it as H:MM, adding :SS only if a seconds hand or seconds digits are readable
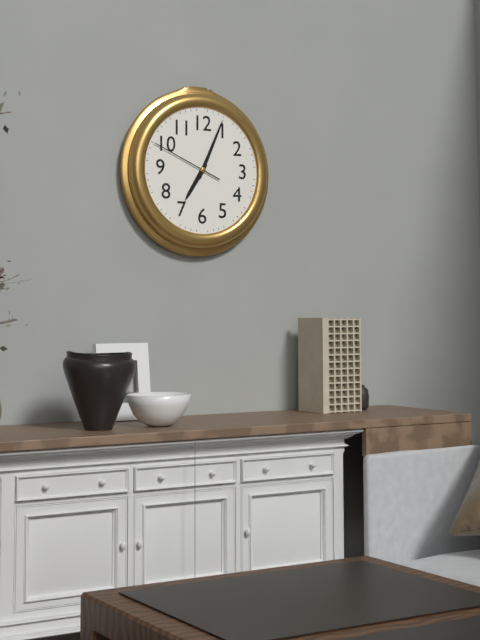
7:04:49
